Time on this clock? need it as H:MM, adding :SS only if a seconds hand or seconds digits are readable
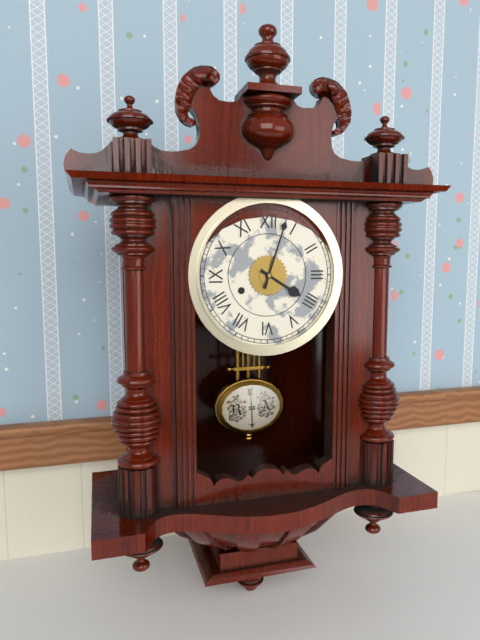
4:03
